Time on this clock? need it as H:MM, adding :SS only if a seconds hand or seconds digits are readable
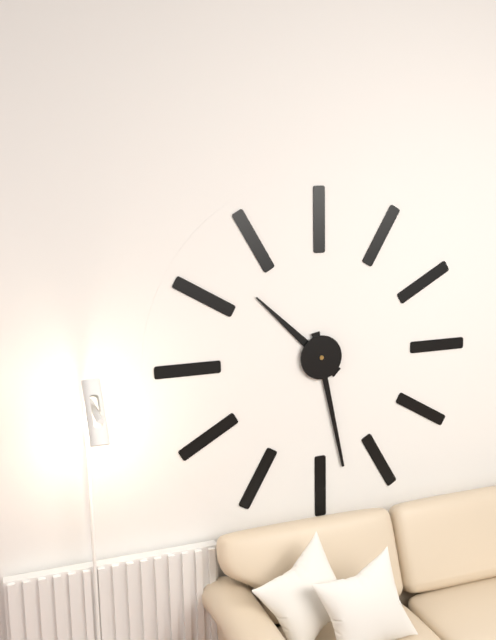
10:28
